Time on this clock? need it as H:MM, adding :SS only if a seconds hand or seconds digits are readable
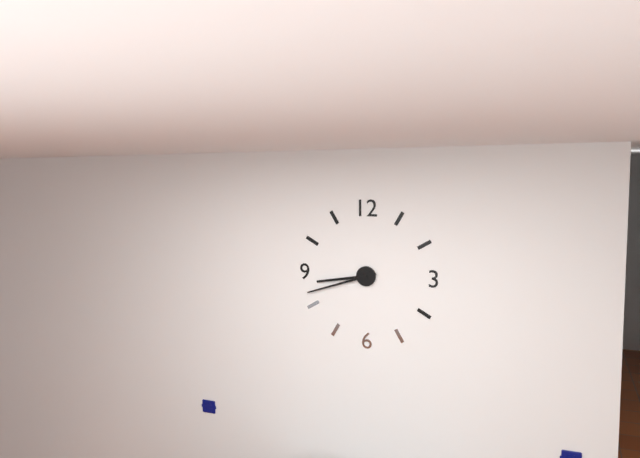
8:42
